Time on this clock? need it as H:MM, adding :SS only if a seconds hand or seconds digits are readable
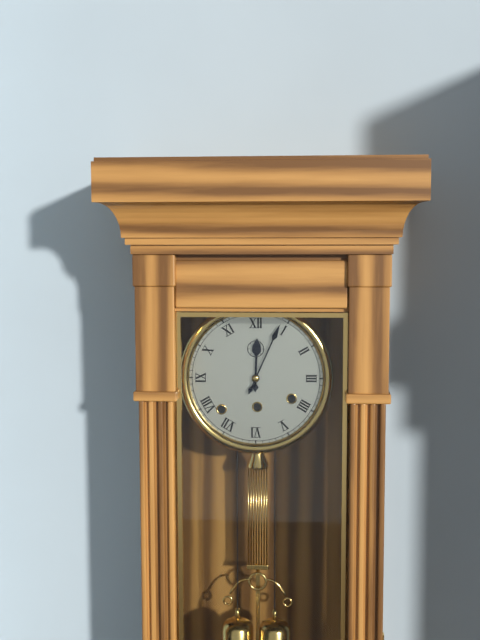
12:04
